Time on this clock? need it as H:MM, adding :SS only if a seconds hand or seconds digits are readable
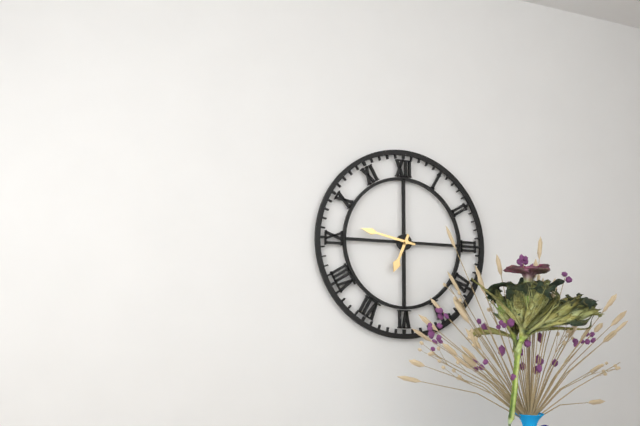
6:47
